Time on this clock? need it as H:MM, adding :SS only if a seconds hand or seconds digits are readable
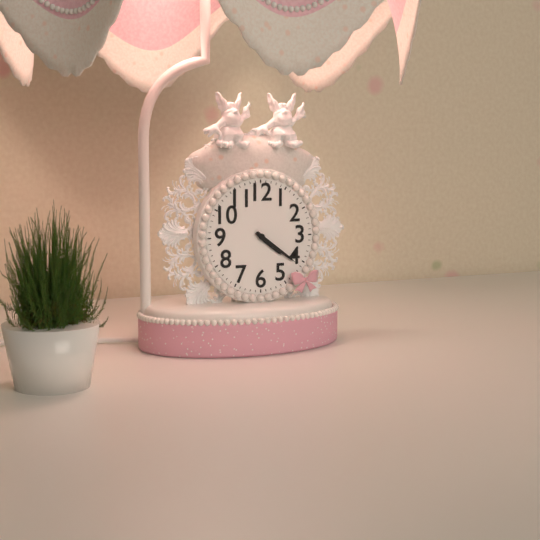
4:21
